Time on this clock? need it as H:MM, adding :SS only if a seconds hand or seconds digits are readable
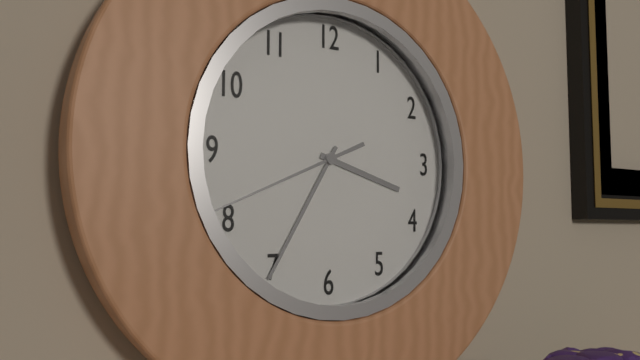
3:35:41
